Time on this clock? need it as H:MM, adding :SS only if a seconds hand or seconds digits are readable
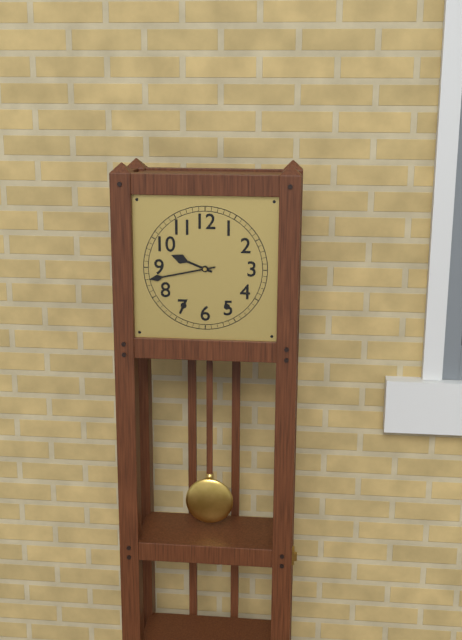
9:43
